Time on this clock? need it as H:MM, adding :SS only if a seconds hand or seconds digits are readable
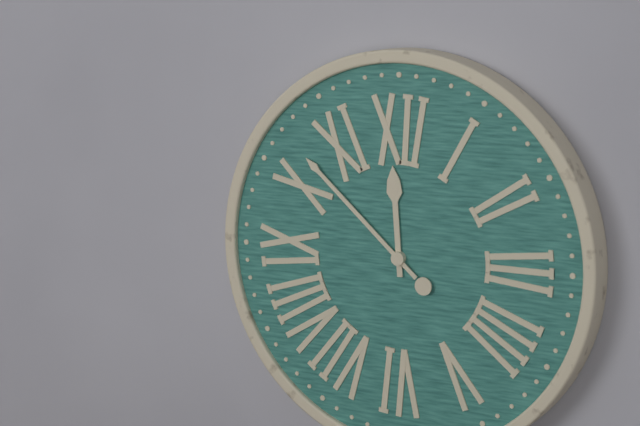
11:52
